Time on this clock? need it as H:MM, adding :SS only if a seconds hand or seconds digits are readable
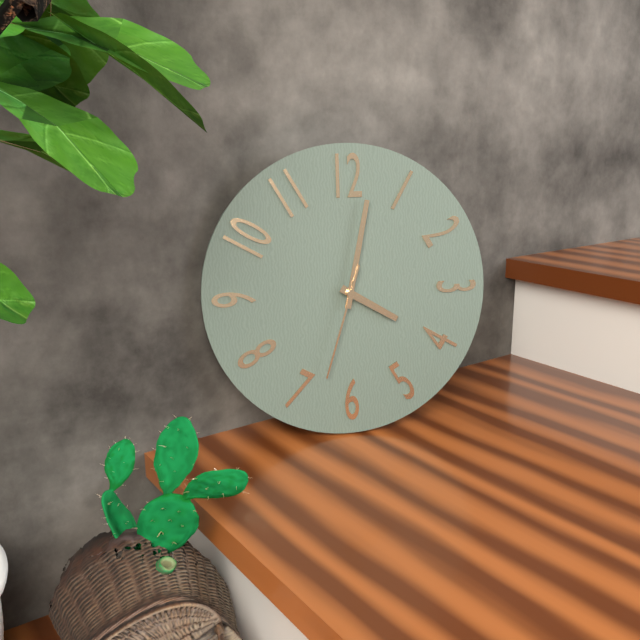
4:02:33
